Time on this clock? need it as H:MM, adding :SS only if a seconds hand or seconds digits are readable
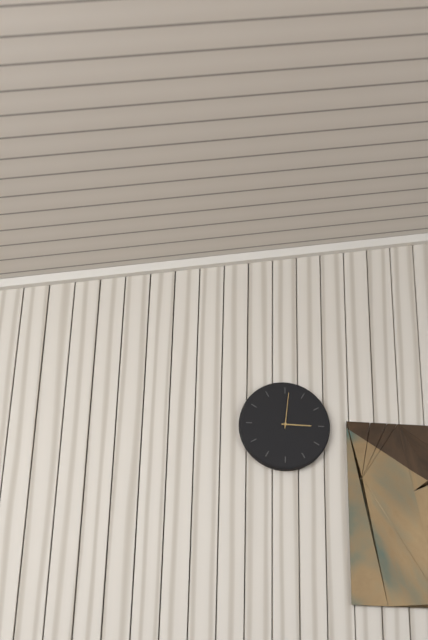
3:01
